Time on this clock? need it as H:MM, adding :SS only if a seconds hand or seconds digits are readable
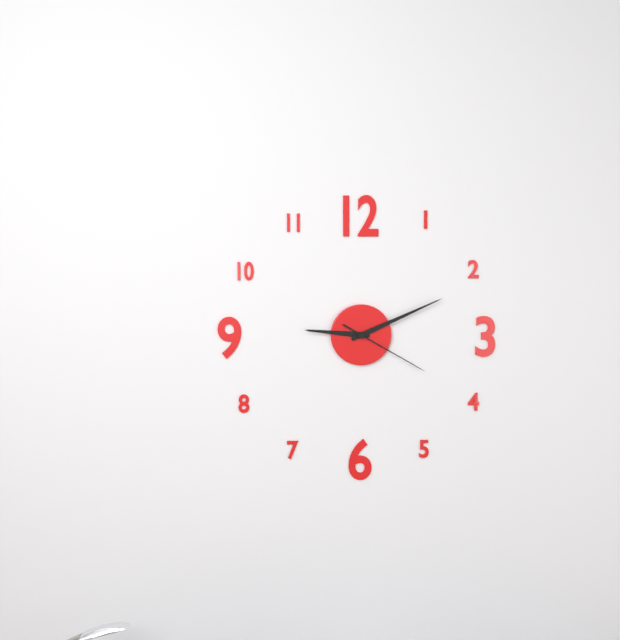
9:11:20
